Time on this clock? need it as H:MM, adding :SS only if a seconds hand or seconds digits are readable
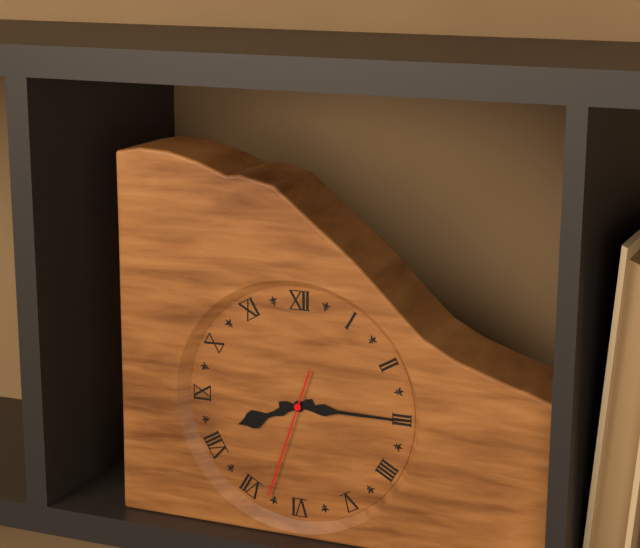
8:15:33
